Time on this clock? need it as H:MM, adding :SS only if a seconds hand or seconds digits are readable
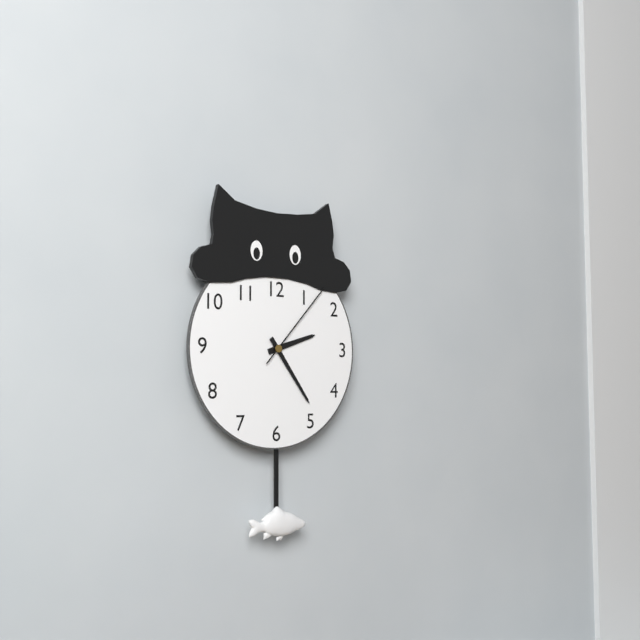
2:24:07
